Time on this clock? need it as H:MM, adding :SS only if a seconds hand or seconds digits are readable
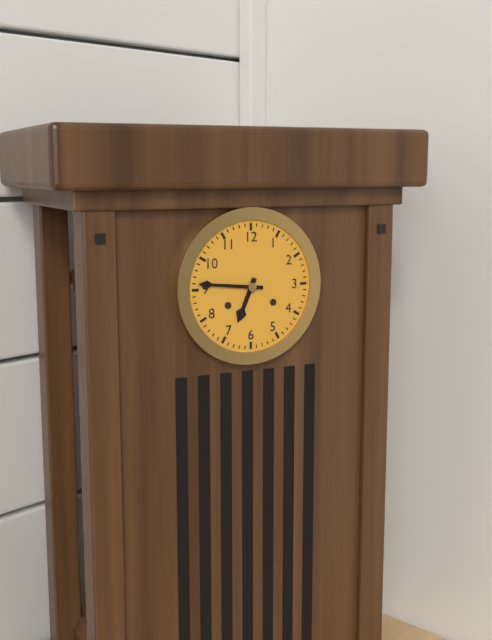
6:46
